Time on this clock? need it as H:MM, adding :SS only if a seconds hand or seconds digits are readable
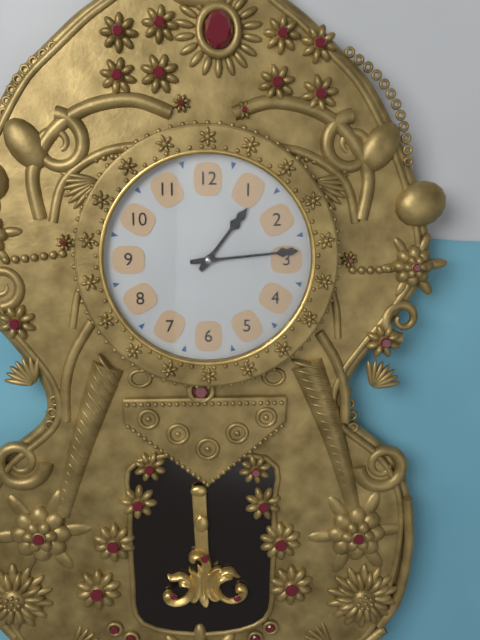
1:14
